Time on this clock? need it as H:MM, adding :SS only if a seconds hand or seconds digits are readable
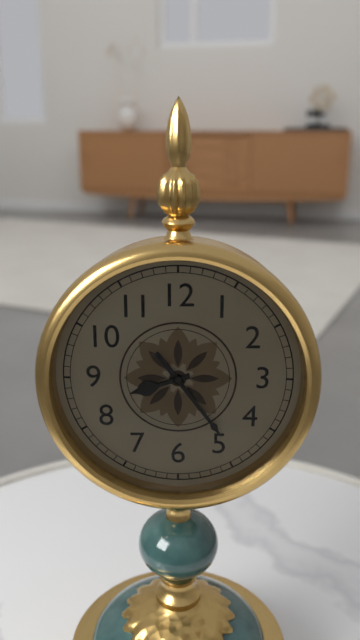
8:24
